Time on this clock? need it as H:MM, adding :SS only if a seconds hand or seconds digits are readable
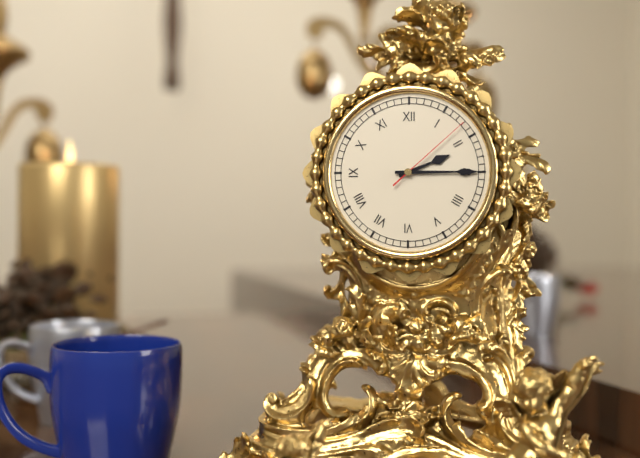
2:15:08
